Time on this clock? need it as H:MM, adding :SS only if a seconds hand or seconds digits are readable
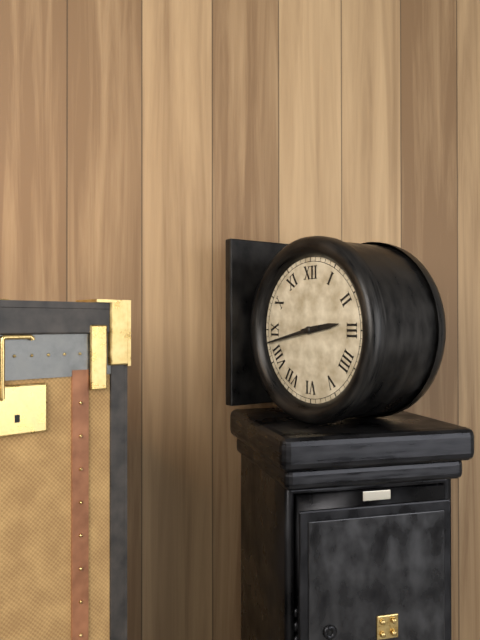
2:43
